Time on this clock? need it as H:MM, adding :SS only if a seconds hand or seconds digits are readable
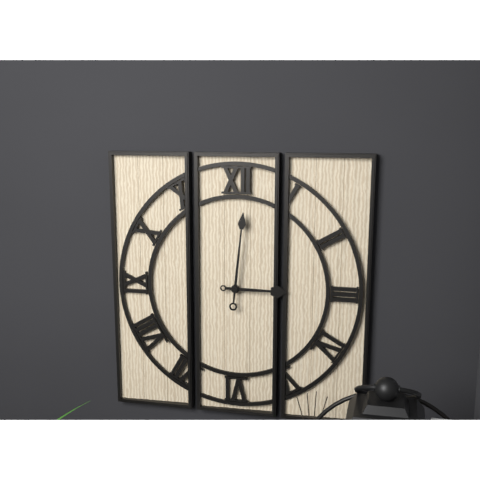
3:01
